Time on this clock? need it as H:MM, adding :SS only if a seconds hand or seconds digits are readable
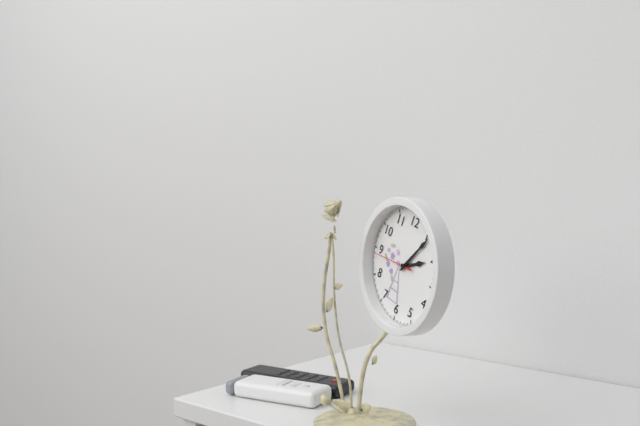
2:06
